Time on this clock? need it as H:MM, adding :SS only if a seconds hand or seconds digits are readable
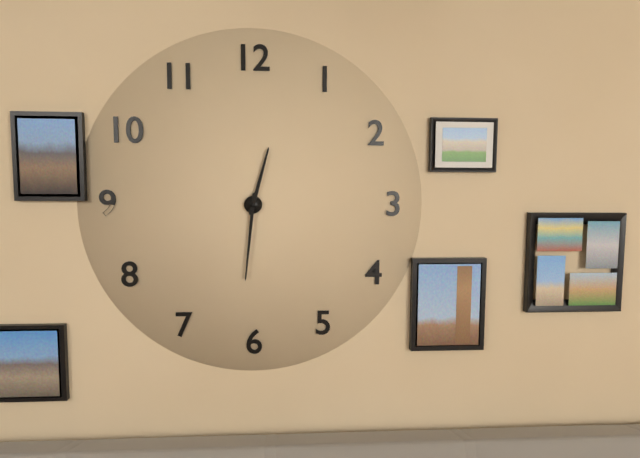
12:31
